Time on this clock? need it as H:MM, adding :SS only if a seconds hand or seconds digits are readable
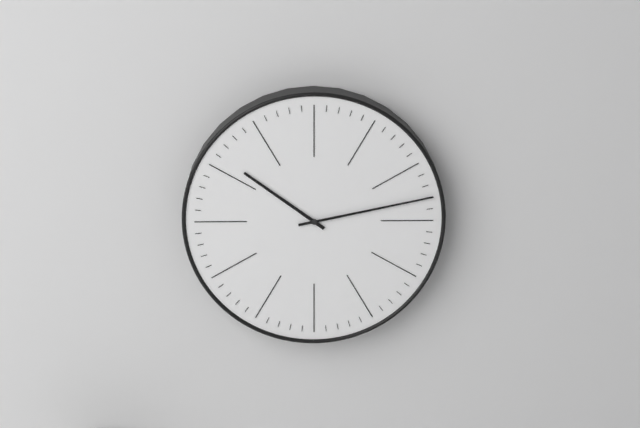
10:13
